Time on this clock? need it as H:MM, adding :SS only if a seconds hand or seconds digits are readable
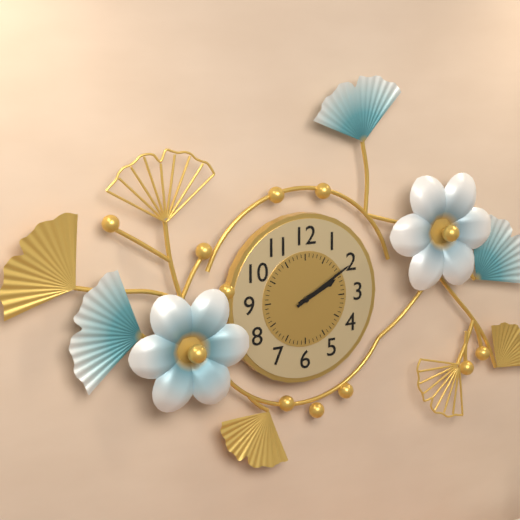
2:10
